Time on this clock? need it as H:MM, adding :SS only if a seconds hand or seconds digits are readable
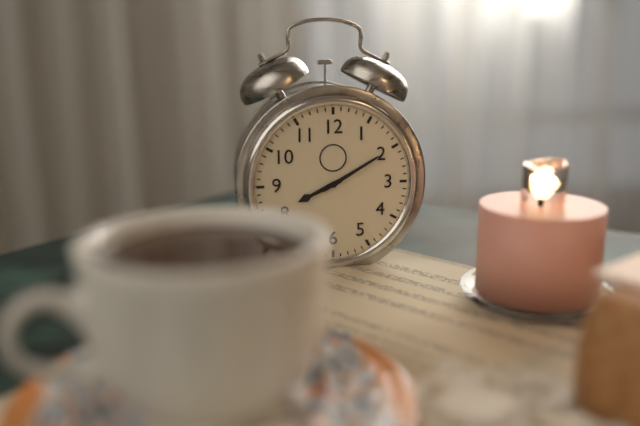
8:10
